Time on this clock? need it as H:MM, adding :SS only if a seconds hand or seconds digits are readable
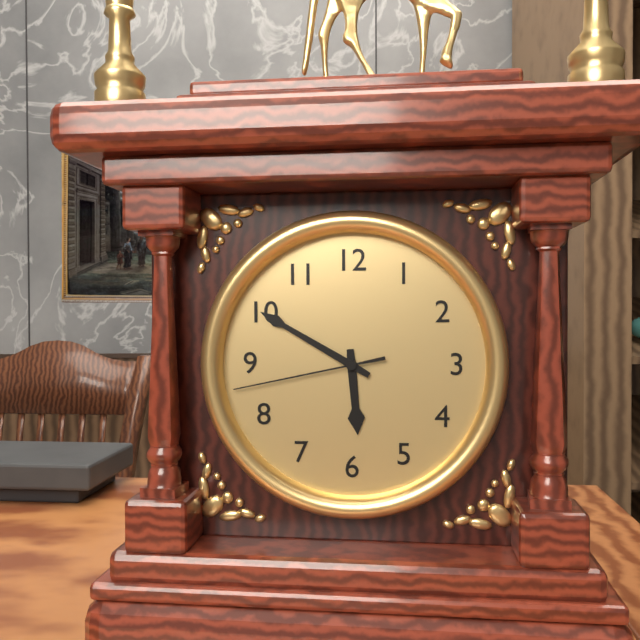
5:50:43
